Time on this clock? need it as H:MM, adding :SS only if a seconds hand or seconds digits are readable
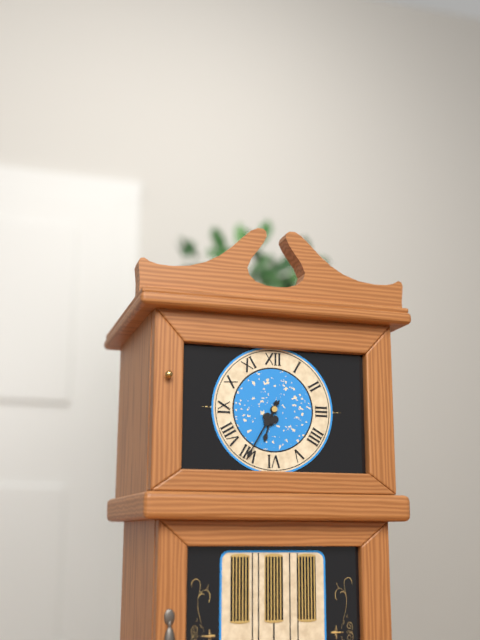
6:35
